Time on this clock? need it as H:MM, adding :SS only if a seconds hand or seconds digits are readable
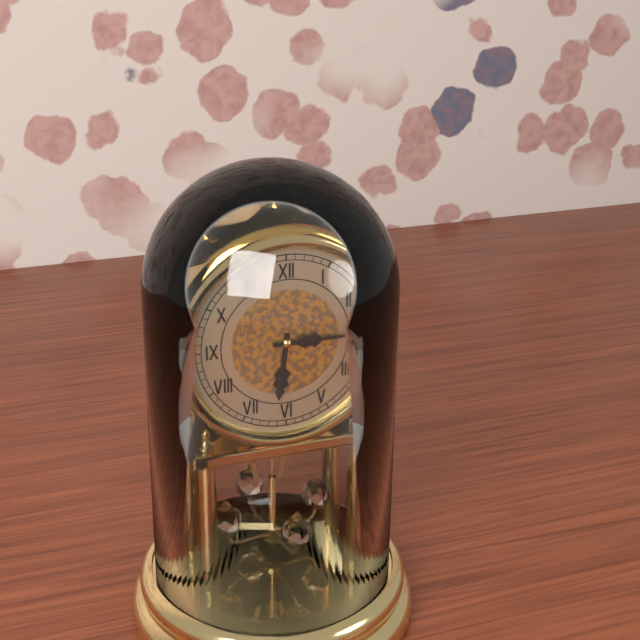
6:15
